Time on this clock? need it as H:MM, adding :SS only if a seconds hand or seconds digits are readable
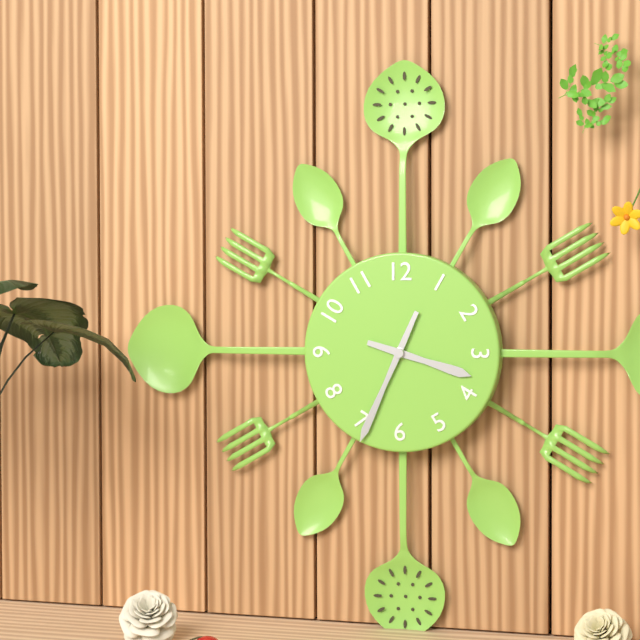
3:34
